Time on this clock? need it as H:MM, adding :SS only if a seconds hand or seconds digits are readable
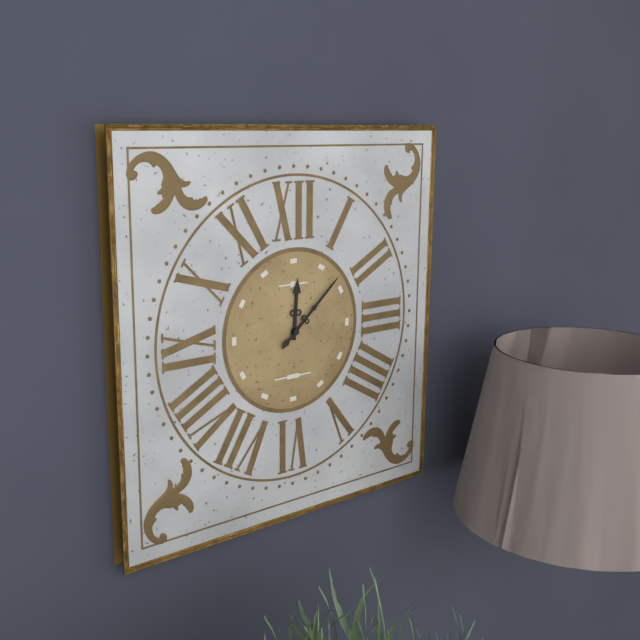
12:08
